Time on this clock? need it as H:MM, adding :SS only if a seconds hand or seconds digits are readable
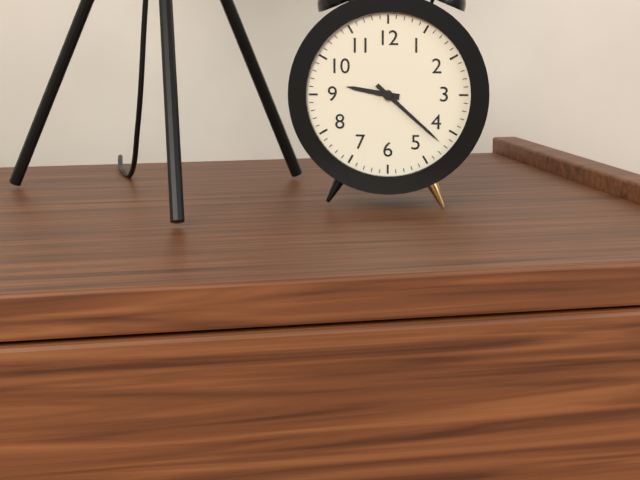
9:22
